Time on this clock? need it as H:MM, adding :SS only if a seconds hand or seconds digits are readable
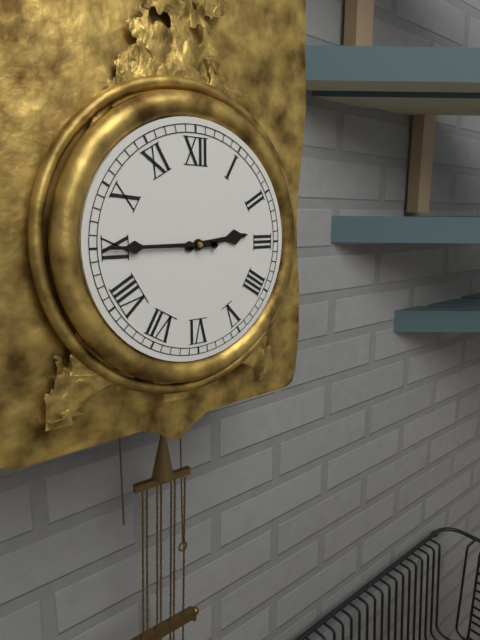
2:45
